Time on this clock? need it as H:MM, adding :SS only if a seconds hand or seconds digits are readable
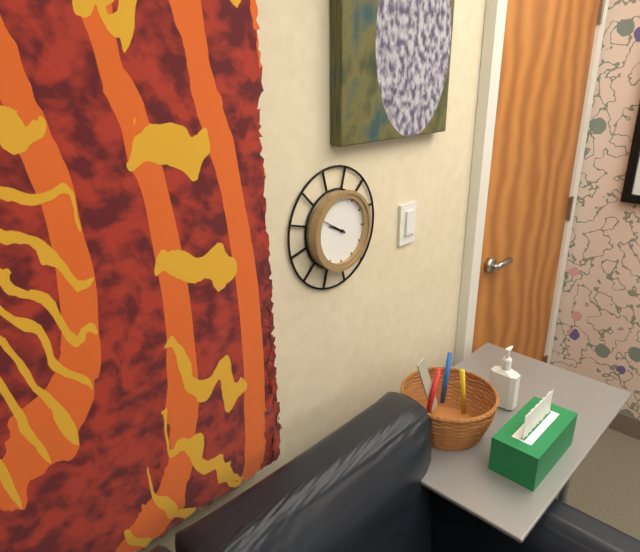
9:50
